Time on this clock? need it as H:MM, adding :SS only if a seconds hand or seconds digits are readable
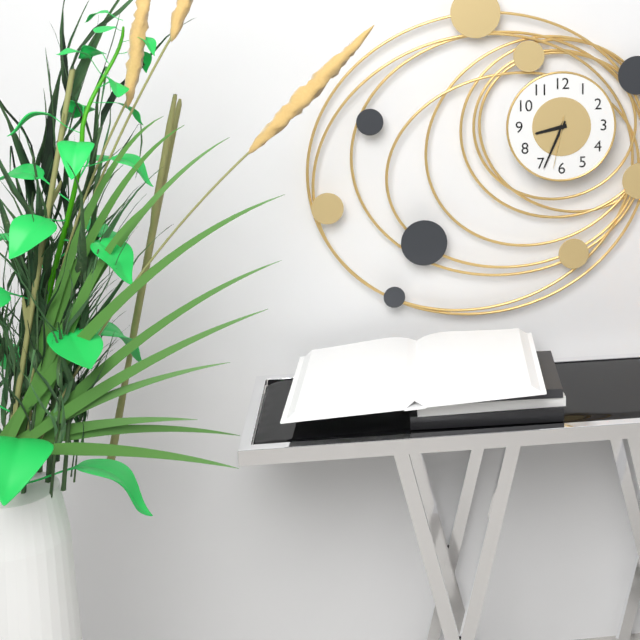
8:34:32
